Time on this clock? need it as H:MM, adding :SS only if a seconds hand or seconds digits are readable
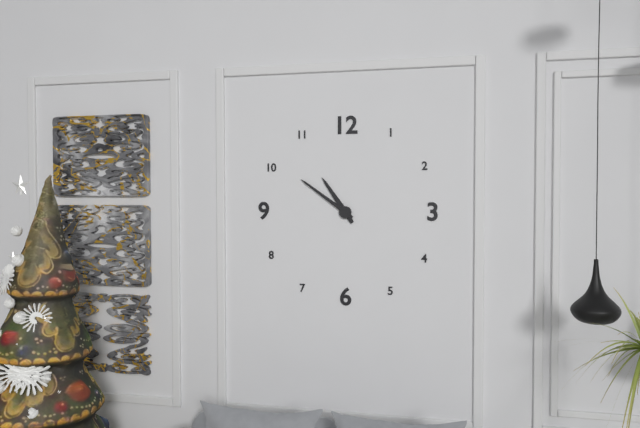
10:51
